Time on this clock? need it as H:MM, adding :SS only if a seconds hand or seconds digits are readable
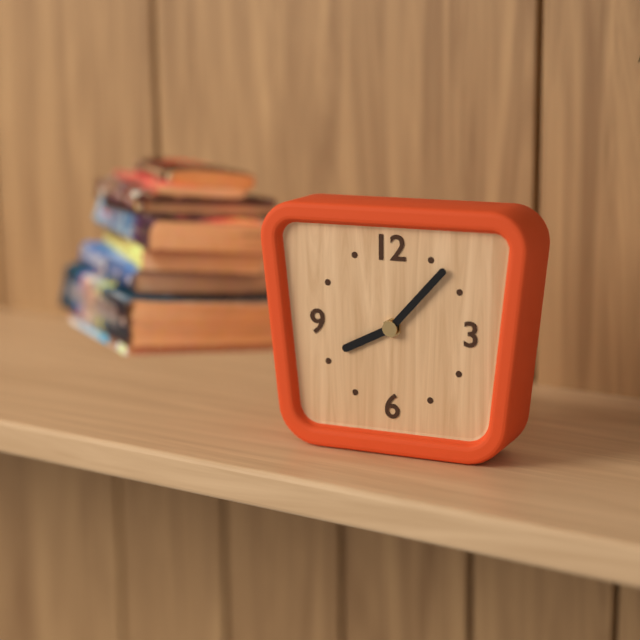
8:07
